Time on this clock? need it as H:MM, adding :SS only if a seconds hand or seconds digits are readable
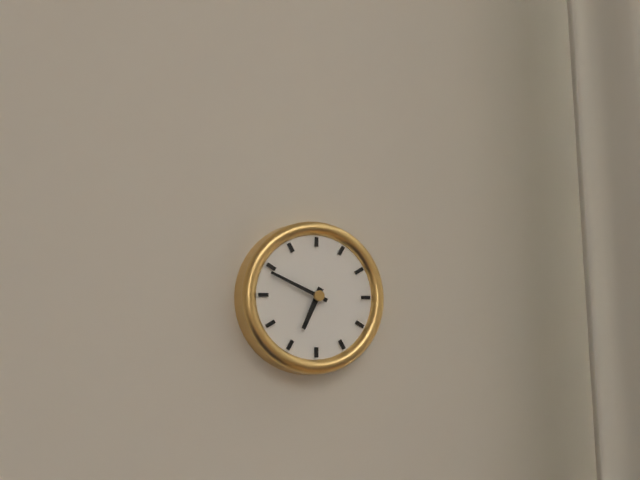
6:49
